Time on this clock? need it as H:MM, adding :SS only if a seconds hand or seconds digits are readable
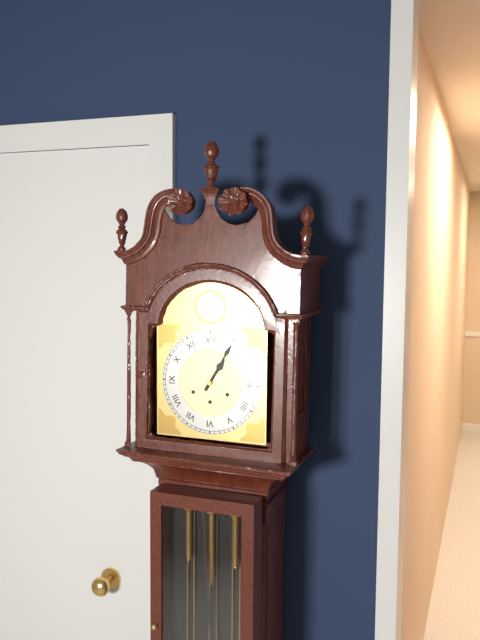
1:05
